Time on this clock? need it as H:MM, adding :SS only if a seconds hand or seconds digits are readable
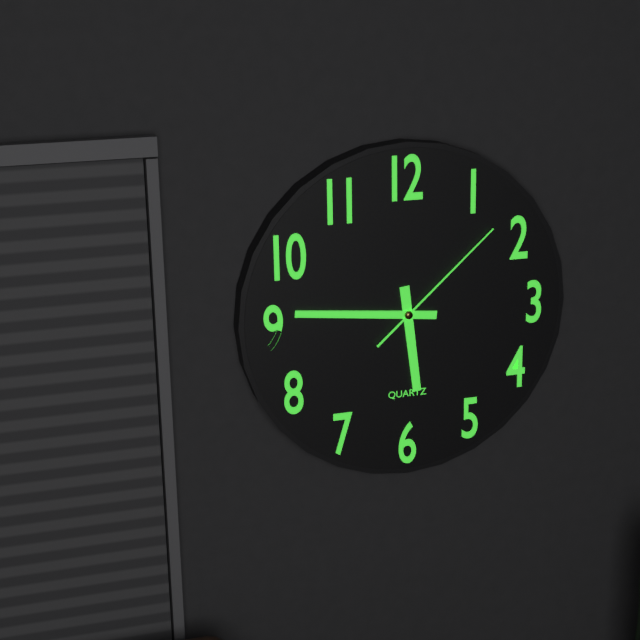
5:46:08
